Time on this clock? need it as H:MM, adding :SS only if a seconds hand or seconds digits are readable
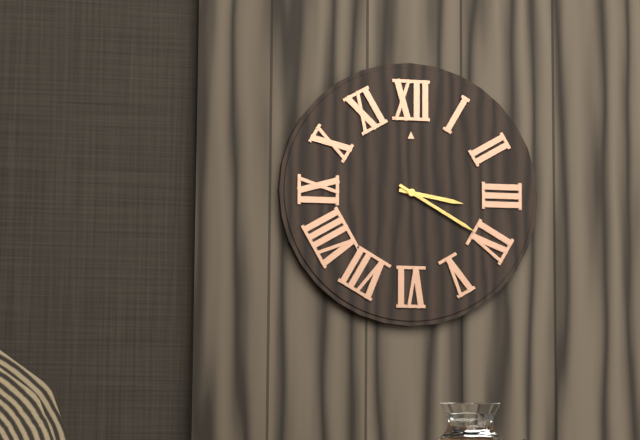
3:20
